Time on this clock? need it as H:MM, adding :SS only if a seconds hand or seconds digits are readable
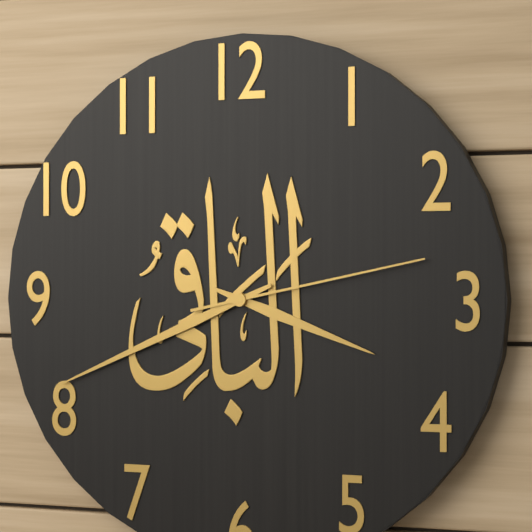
3:41:13
